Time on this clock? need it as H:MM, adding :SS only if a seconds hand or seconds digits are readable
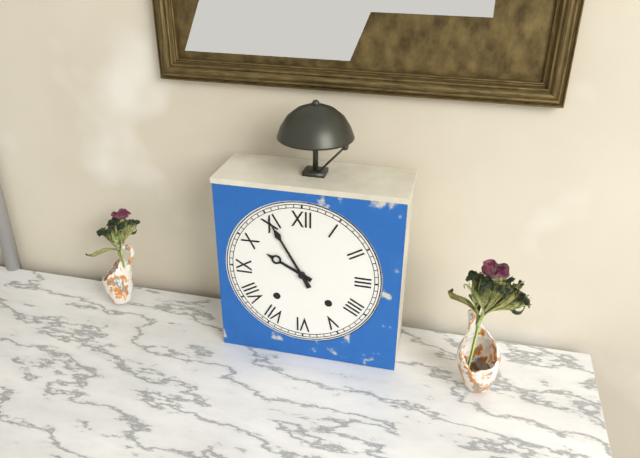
9:55
